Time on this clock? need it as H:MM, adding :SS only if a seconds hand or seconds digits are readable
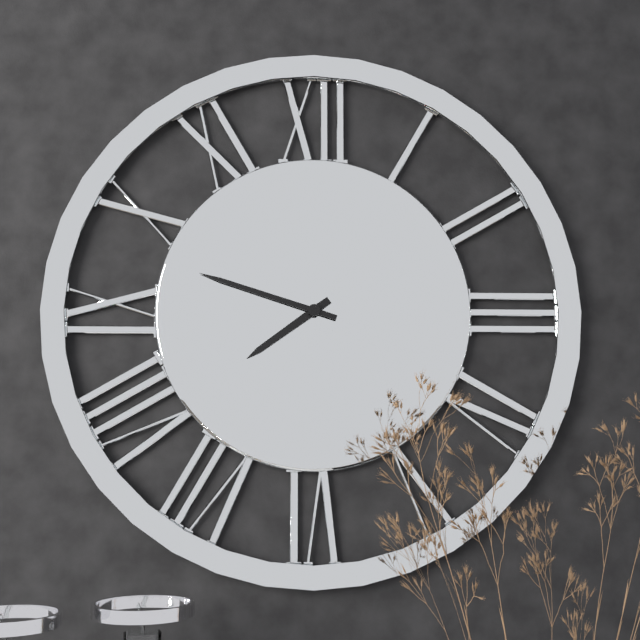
7:48
